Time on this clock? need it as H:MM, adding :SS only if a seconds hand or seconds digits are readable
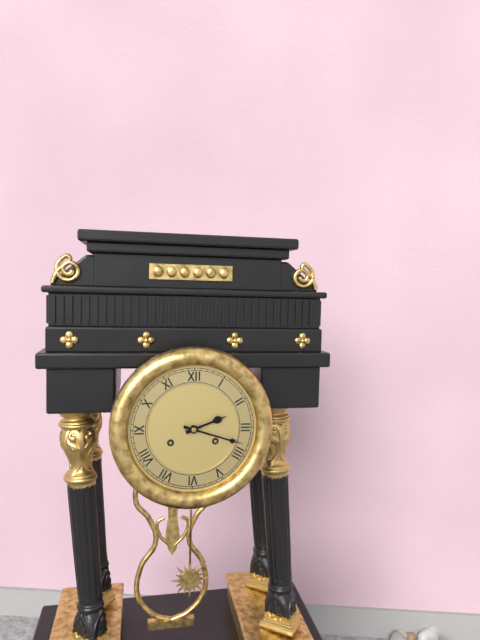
2:18
